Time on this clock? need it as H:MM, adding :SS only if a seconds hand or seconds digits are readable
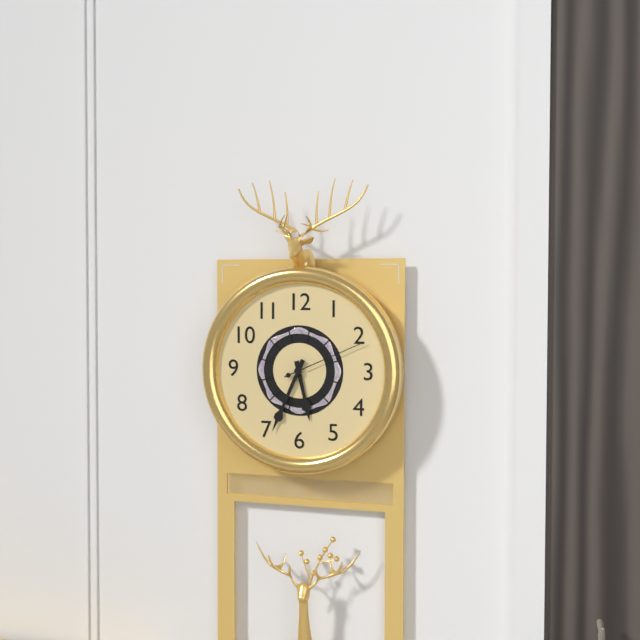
5:34:11
